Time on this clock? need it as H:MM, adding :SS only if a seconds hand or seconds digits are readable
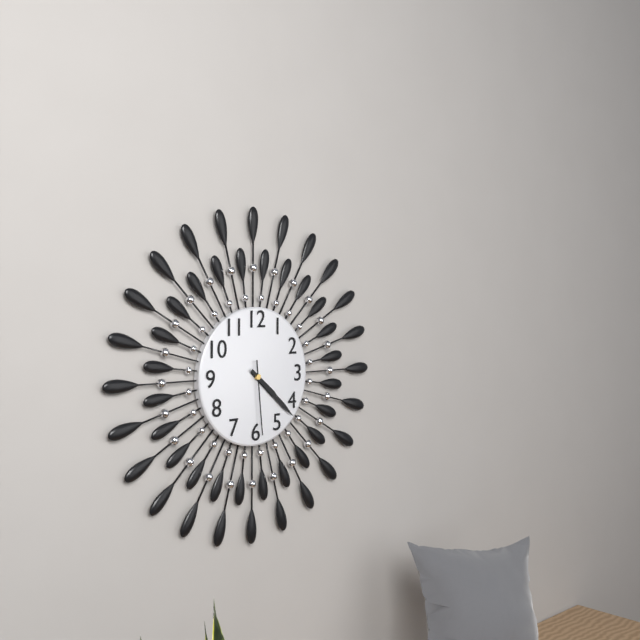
4:22:29
